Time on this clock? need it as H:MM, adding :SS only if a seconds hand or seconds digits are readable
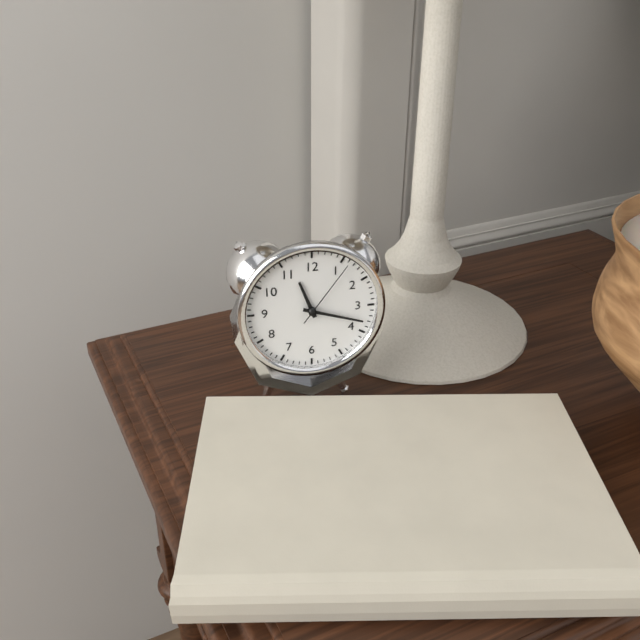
11:18:06
